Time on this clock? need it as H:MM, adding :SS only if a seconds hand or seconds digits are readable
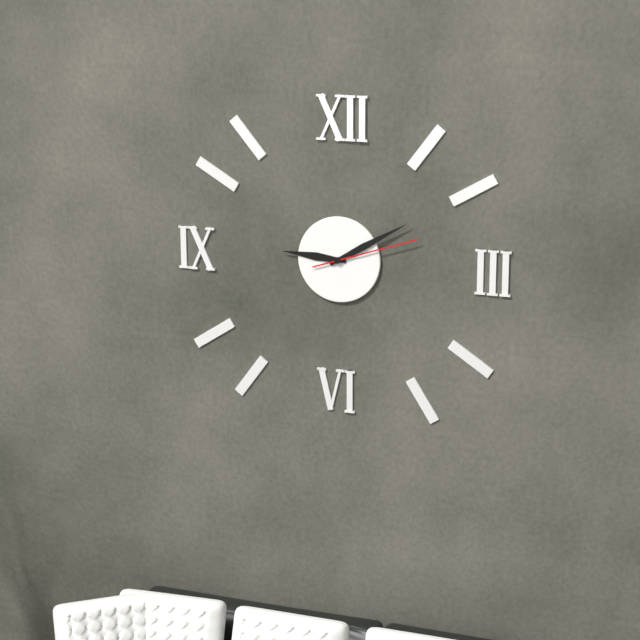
9:10:12
